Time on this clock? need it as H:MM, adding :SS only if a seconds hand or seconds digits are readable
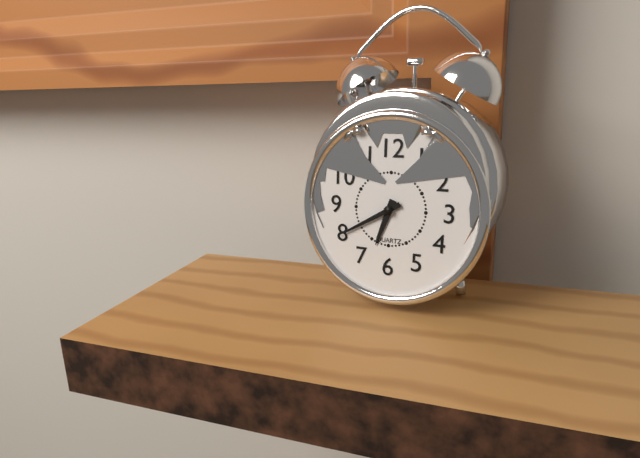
6:40
